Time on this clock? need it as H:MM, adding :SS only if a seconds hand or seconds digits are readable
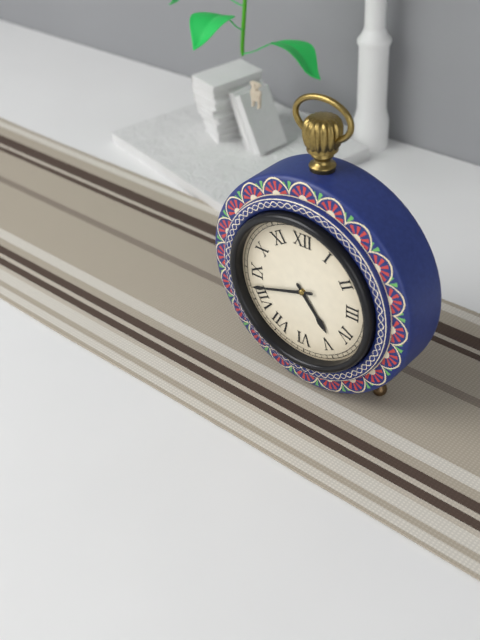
4:42
